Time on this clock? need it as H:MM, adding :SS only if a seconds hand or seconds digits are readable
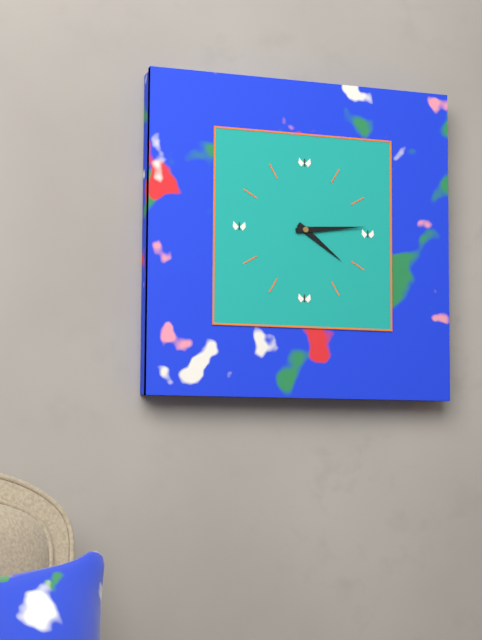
4:14
